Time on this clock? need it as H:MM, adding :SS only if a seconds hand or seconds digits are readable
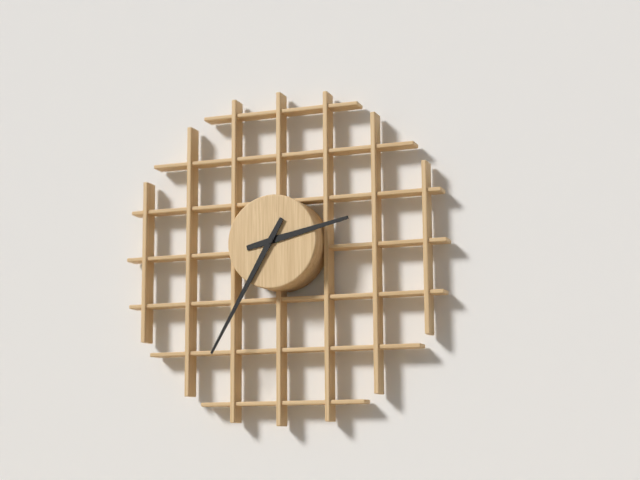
2:35
